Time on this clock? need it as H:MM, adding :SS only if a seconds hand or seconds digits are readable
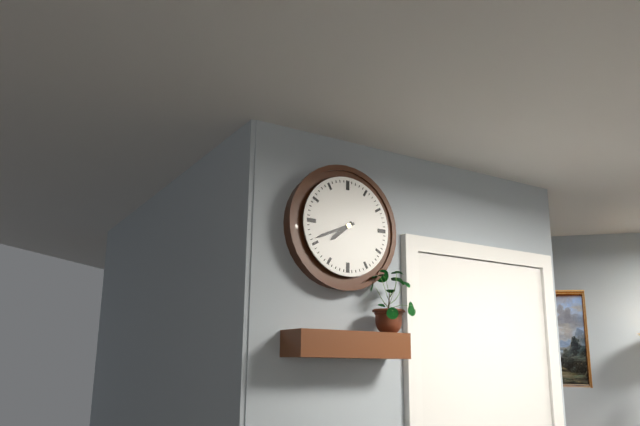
7:41
